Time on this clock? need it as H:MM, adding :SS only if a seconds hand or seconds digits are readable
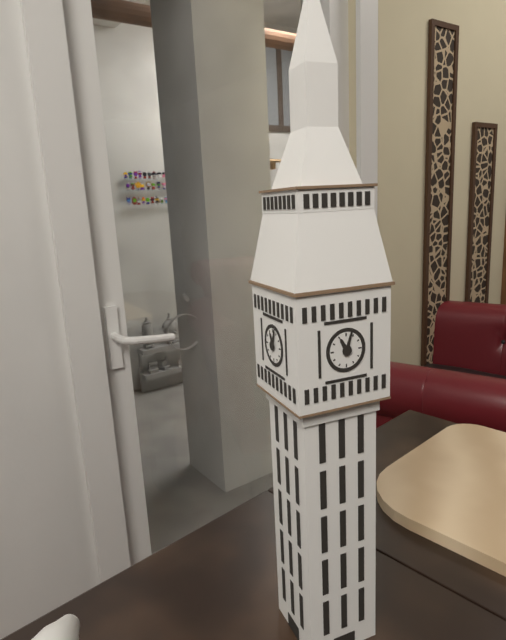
11:03
